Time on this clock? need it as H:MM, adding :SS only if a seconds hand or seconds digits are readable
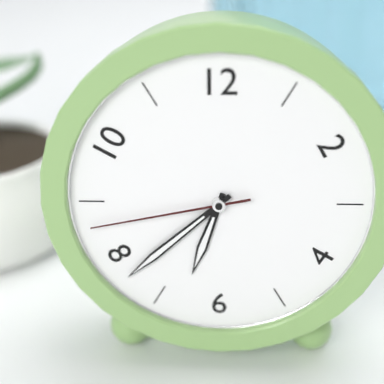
6:38:43
